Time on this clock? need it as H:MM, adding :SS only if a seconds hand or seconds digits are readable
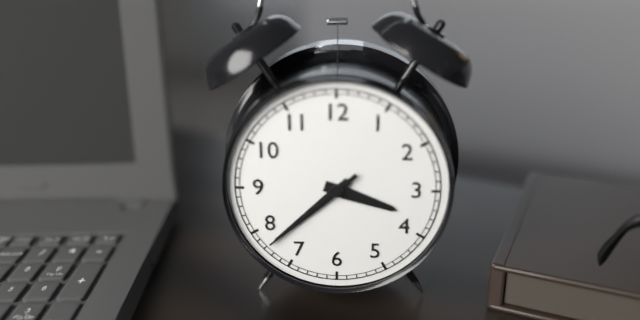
3:38:38
